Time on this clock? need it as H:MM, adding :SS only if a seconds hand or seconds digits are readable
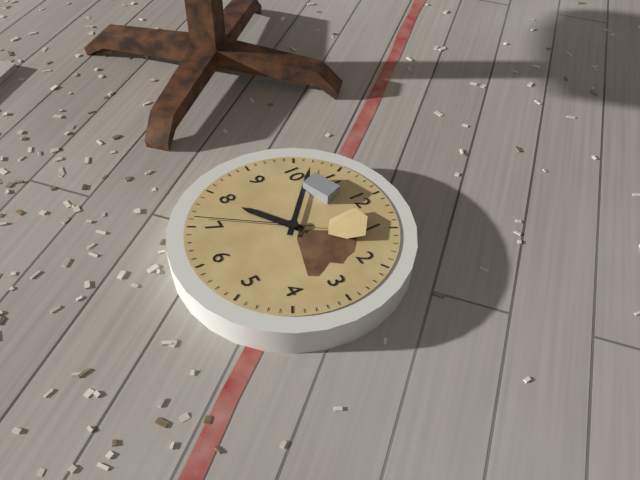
7:52:36
